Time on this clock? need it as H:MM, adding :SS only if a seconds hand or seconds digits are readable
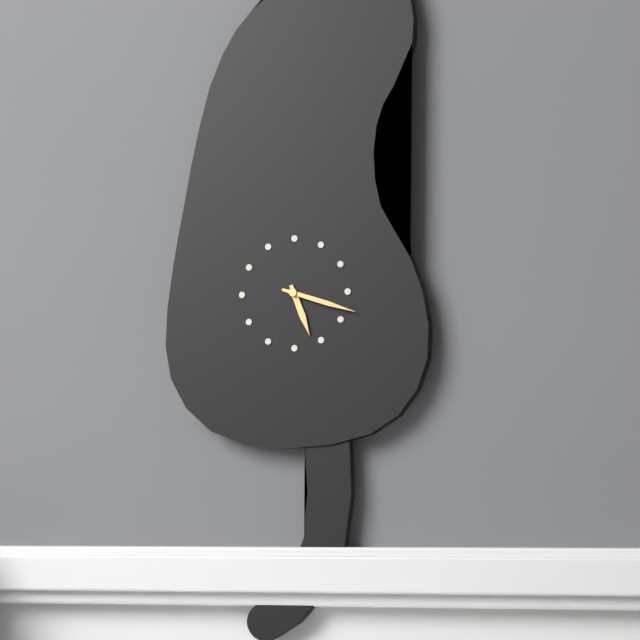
5:18
